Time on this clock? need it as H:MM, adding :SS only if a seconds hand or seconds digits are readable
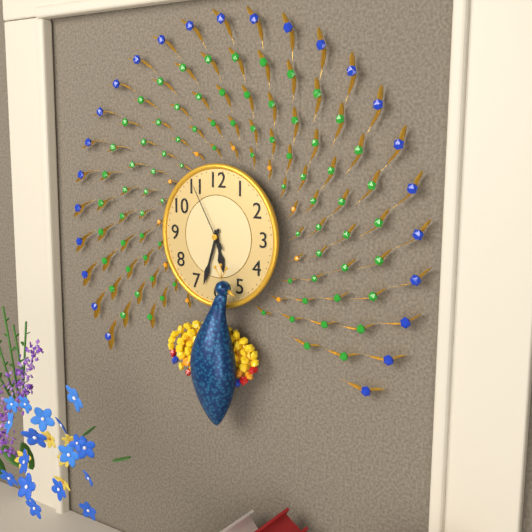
5:33:55
